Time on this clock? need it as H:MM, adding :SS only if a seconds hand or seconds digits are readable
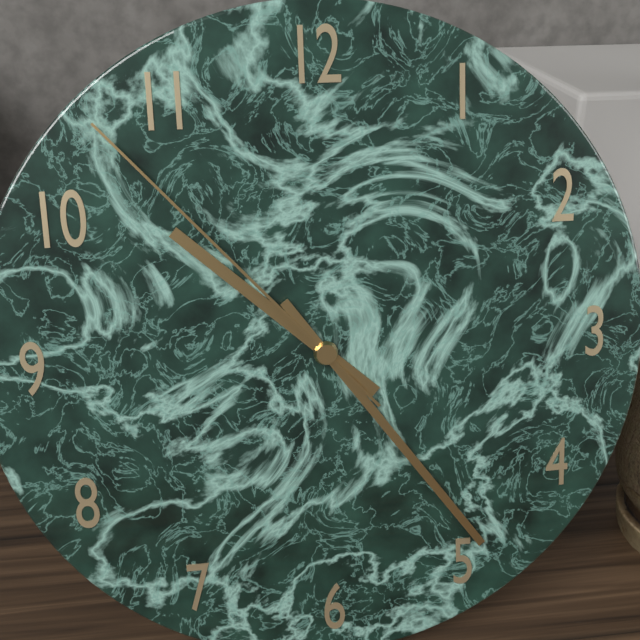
10:24:53
